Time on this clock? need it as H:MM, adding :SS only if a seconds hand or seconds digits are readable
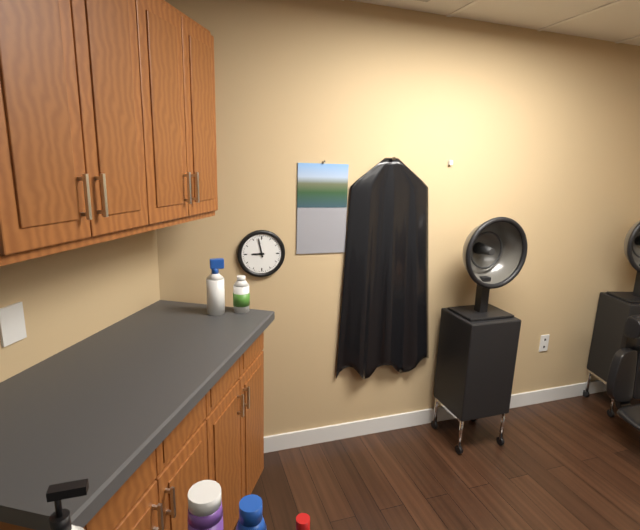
8:58
